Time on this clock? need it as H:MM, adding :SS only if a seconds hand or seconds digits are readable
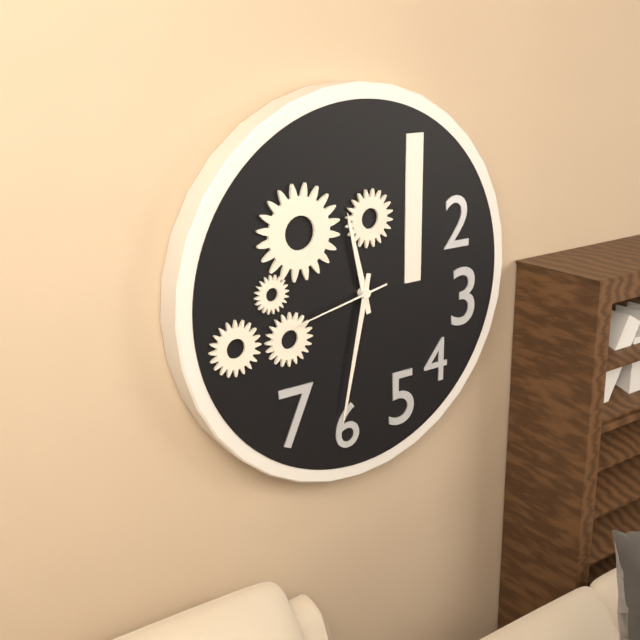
11:32:43
